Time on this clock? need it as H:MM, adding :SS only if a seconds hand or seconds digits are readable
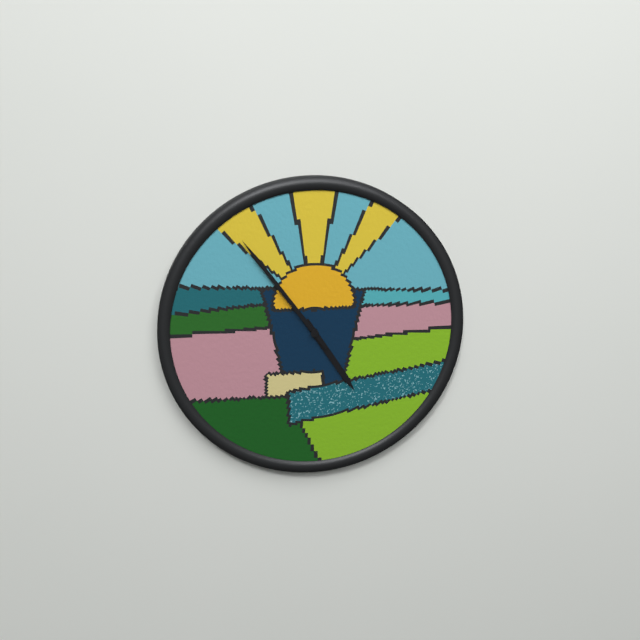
4:54
